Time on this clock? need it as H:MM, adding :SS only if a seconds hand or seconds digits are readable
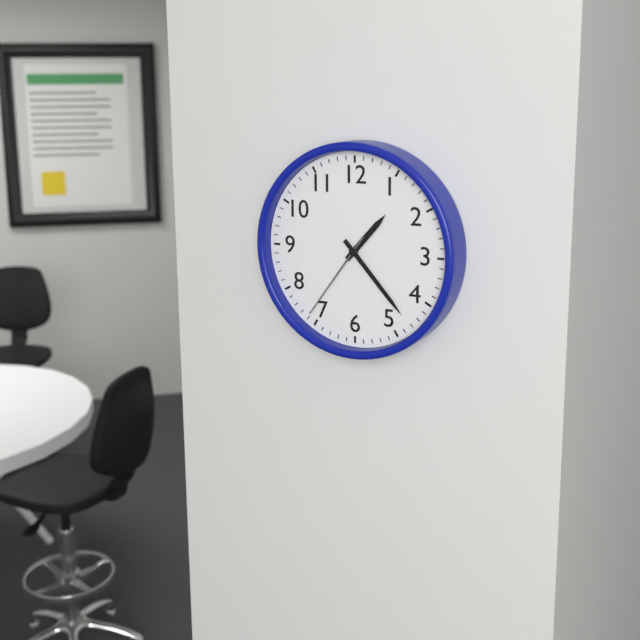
1:23:36
